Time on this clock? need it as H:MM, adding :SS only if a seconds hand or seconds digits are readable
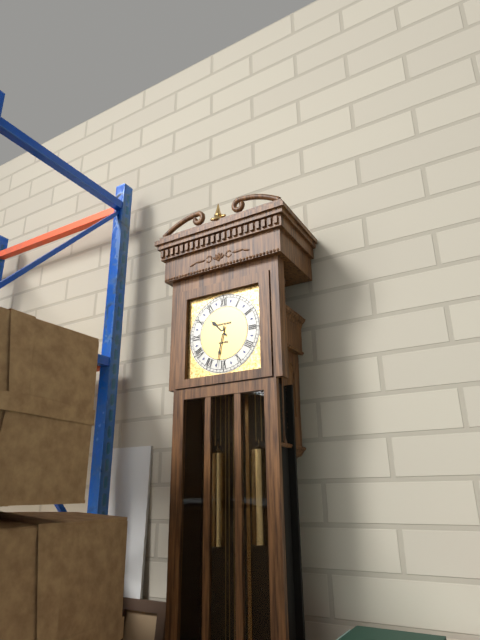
10:32
